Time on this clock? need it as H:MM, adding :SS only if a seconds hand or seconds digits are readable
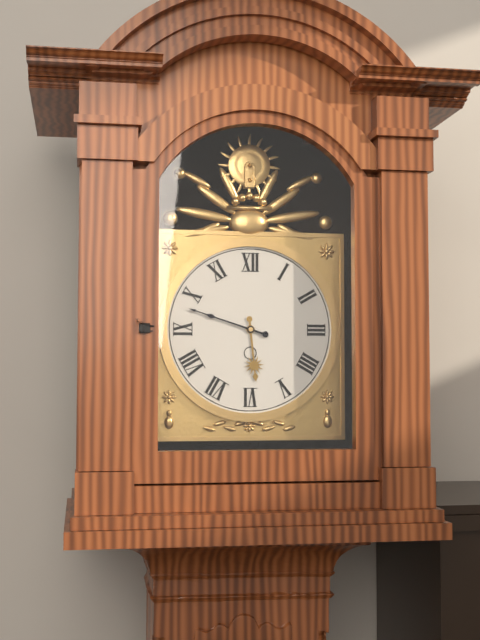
5:48
